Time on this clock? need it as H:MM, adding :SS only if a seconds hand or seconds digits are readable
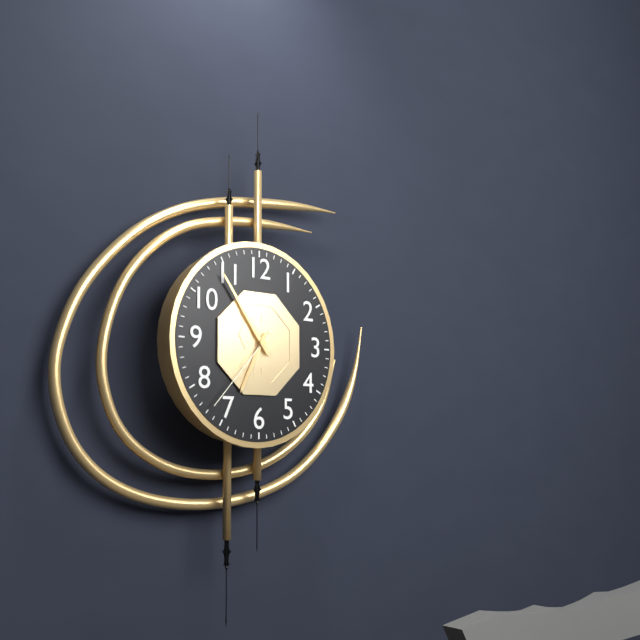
6:54:37
